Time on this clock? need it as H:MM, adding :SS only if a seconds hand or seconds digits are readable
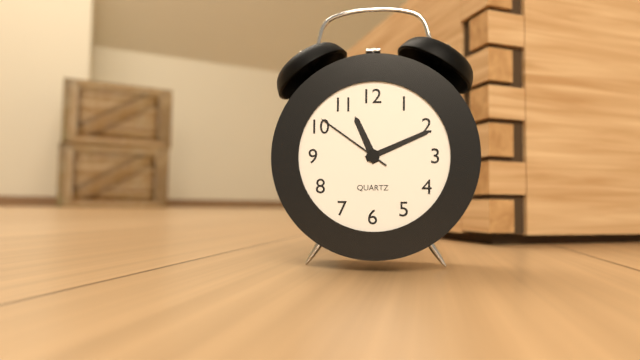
11:11:51
